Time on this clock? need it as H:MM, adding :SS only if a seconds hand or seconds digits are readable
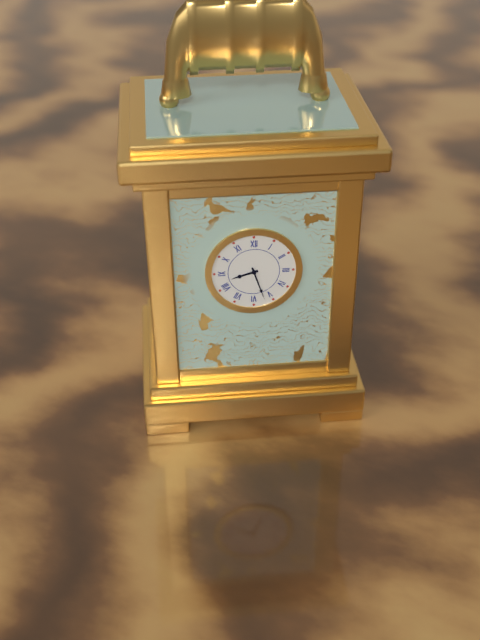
8:27
